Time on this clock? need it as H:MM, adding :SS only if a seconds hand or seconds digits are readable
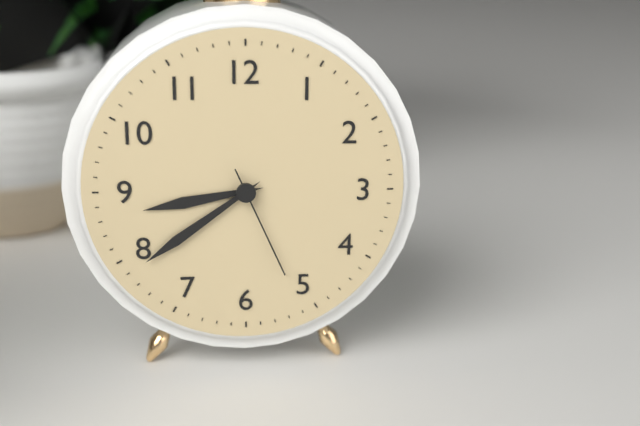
8:39:26
